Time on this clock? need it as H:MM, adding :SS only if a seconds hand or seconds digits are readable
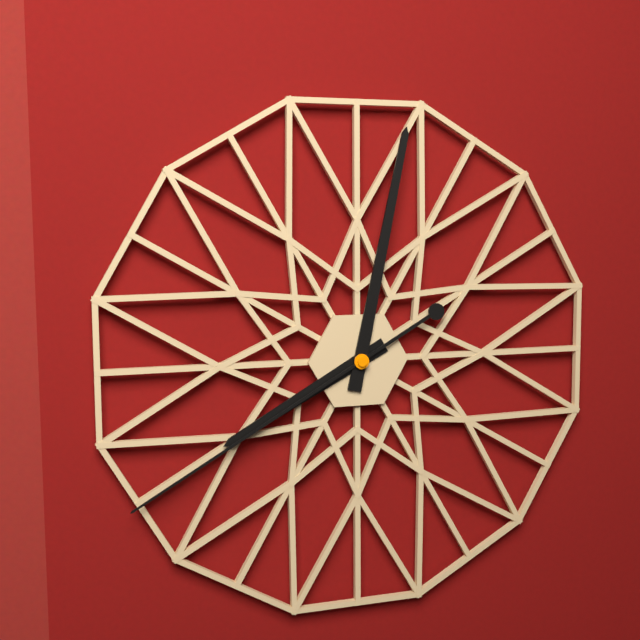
8:02:40
